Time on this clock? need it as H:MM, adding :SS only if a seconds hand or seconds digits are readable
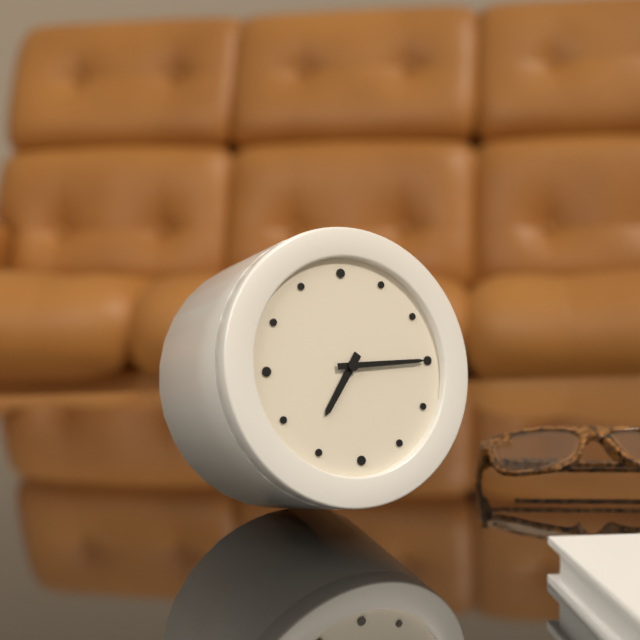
7:15
